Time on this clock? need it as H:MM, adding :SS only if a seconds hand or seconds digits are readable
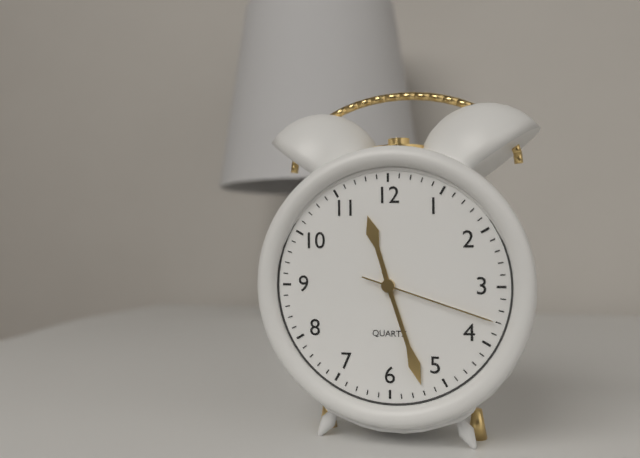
11:27:18
